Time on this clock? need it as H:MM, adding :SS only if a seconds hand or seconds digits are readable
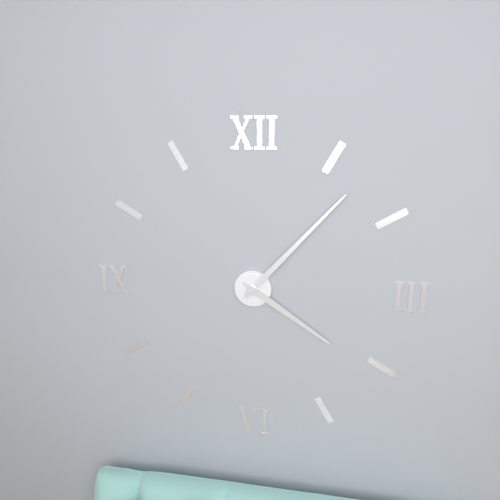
4:07
